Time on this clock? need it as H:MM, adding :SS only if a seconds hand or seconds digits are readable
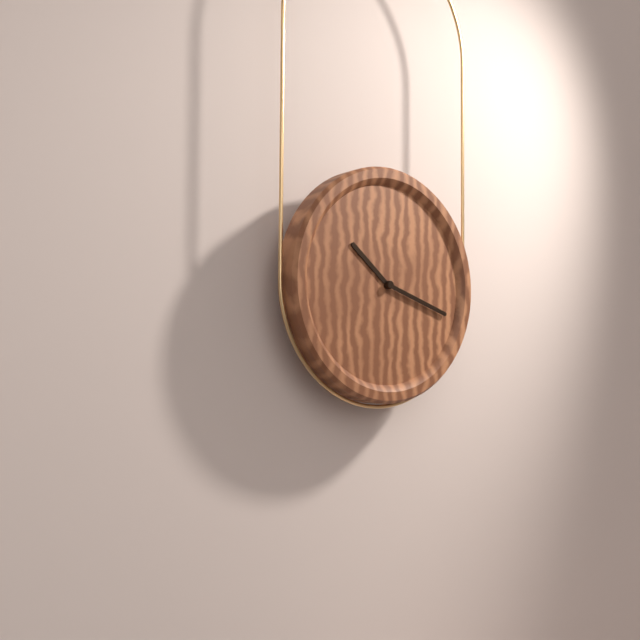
10:18
